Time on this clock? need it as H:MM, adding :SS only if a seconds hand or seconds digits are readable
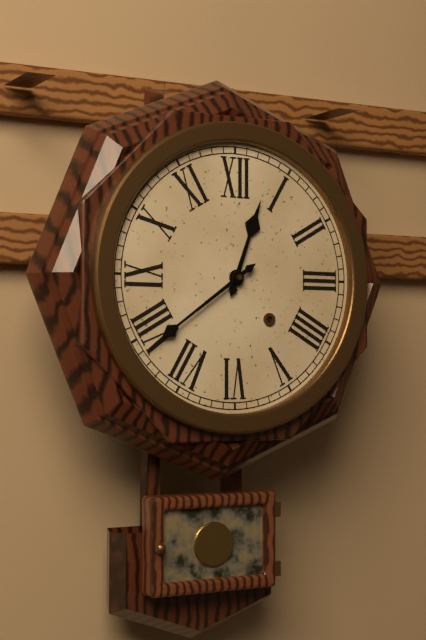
12:39
